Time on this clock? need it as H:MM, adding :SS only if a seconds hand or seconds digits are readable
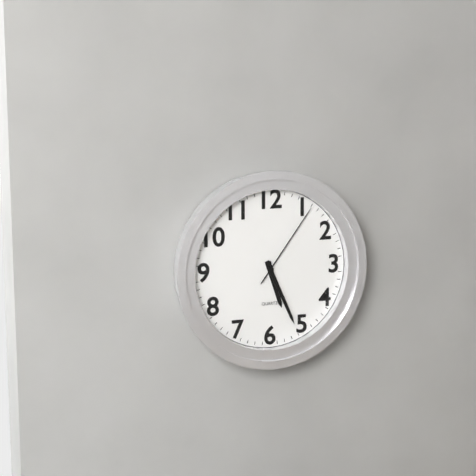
5:26:06
